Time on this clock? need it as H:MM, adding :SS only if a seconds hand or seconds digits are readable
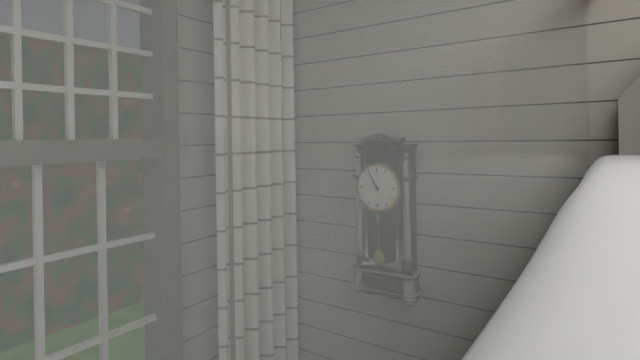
10:55
